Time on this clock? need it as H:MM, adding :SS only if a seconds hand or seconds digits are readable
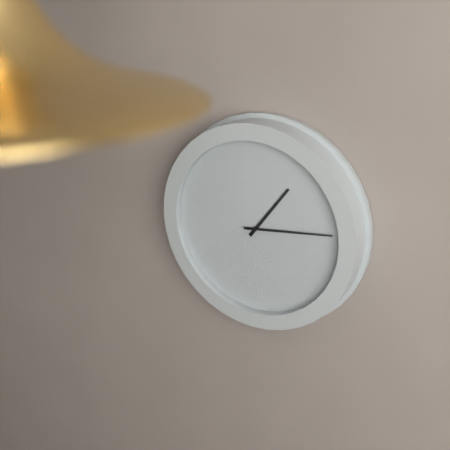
1:14
